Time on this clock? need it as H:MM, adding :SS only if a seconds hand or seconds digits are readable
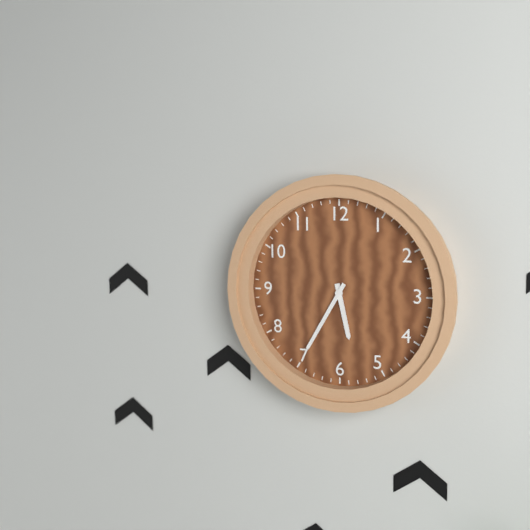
5:35
